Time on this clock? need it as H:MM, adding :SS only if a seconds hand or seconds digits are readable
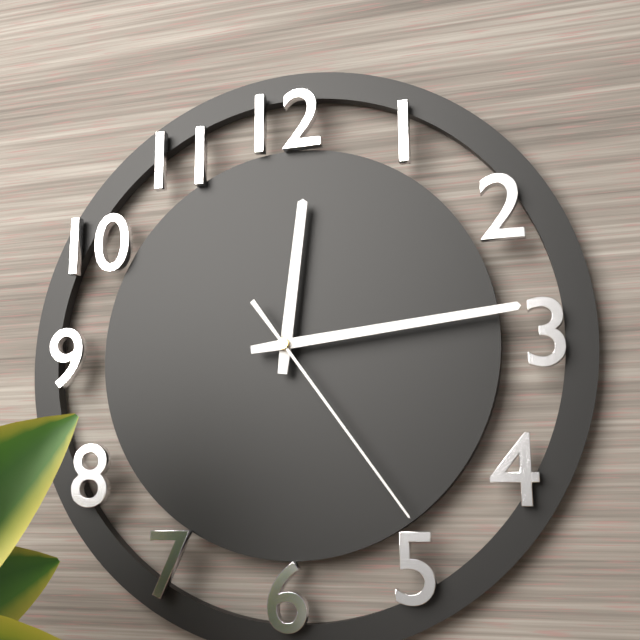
12:14:24
